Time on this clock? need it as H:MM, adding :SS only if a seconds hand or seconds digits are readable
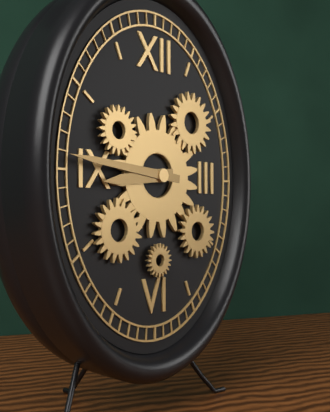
8:46
